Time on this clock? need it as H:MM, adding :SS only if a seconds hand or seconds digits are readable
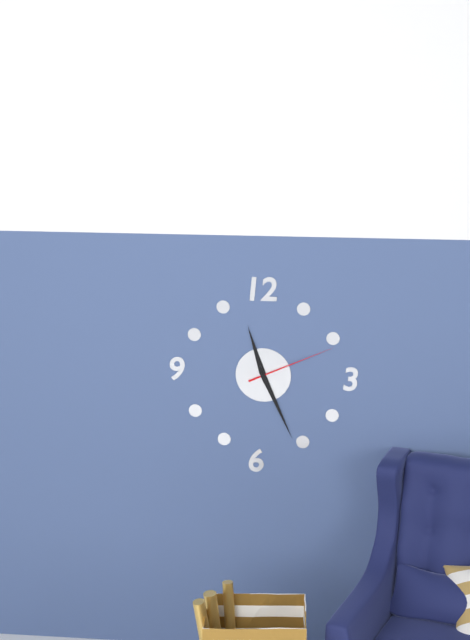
11:26:11
